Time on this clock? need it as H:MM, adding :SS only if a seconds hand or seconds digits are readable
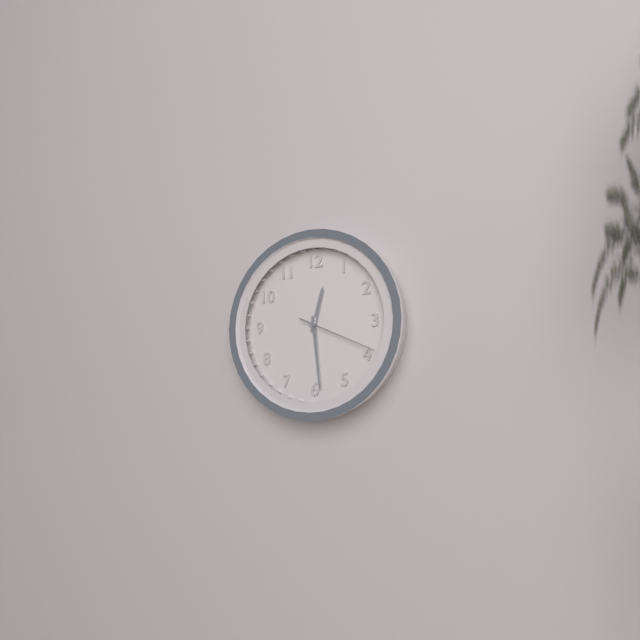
12:29:19
